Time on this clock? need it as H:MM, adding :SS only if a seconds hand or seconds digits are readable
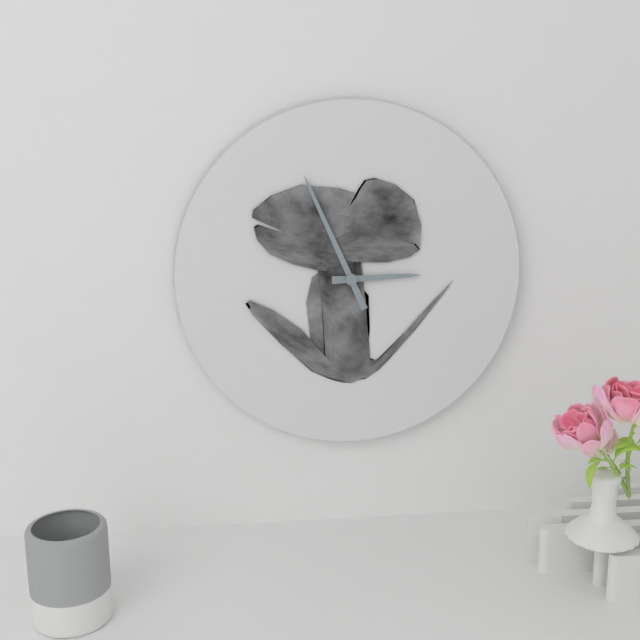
2:56
